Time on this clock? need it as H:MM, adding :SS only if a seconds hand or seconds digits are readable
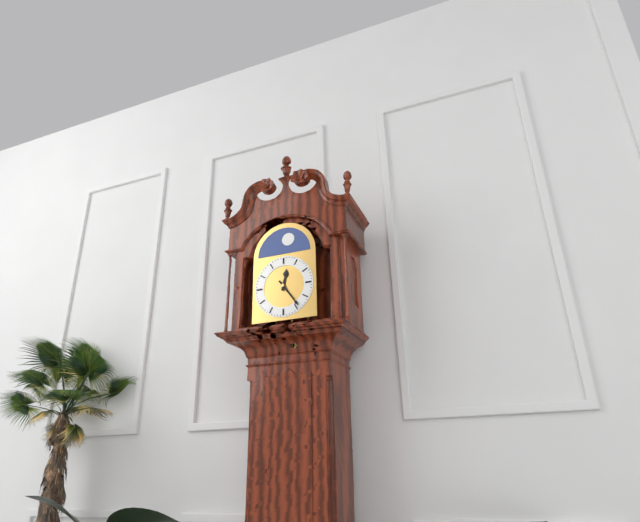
12:24
